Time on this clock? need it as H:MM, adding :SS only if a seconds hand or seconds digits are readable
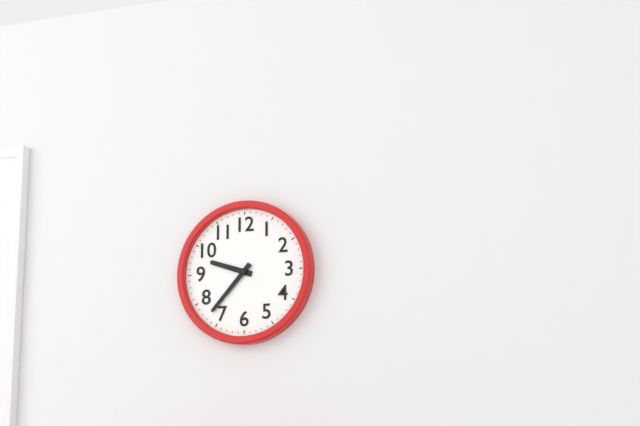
9:37
